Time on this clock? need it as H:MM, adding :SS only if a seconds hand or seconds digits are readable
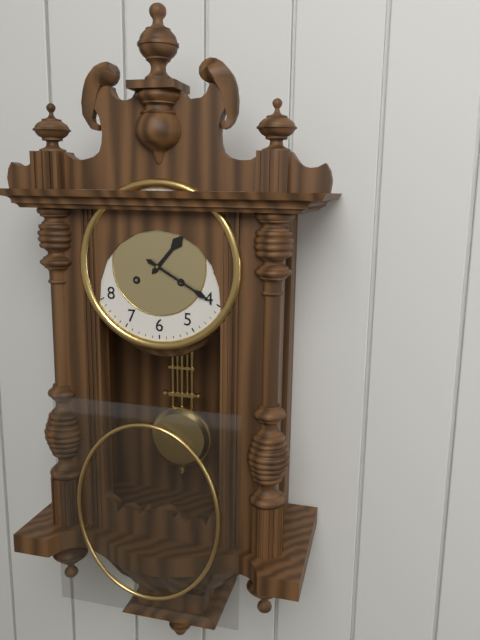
1:20
